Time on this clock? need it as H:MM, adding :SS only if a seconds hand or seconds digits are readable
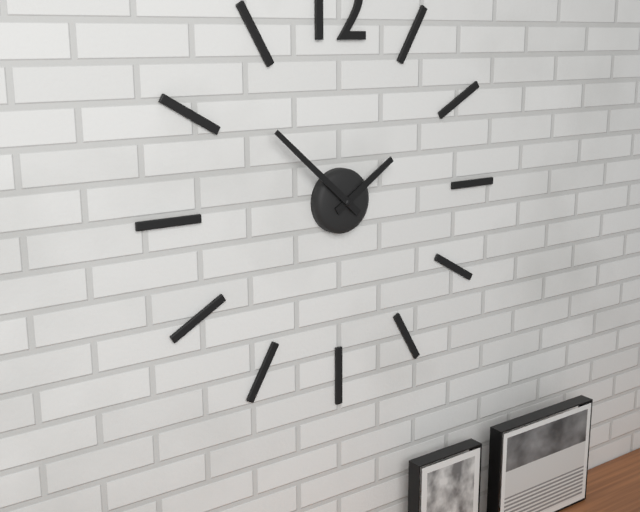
1:52
